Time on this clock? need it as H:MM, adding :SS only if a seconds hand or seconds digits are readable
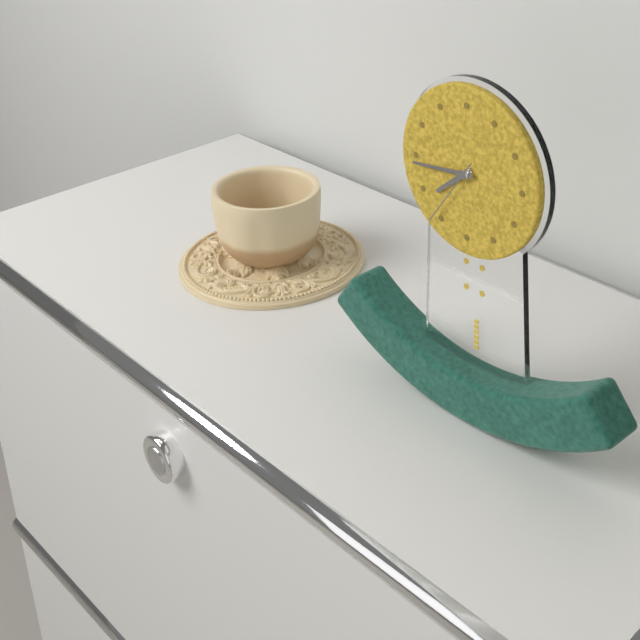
7:44:36
